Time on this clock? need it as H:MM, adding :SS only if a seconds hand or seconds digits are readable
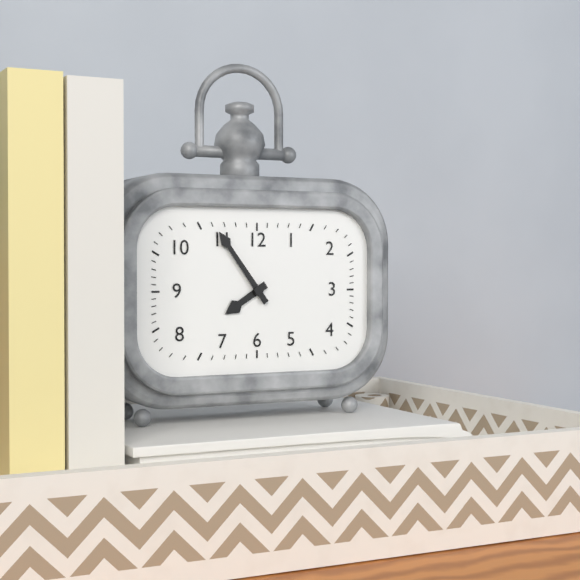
7:54
